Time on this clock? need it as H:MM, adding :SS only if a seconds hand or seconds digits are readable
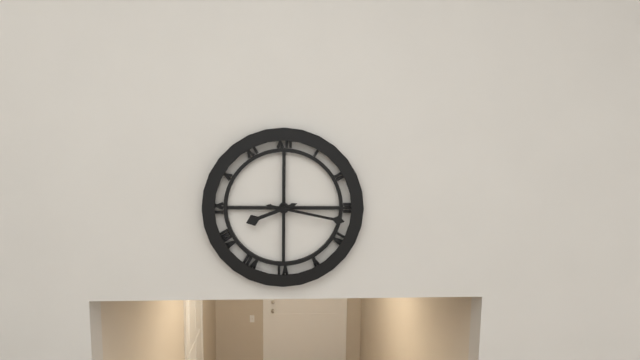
8:17
